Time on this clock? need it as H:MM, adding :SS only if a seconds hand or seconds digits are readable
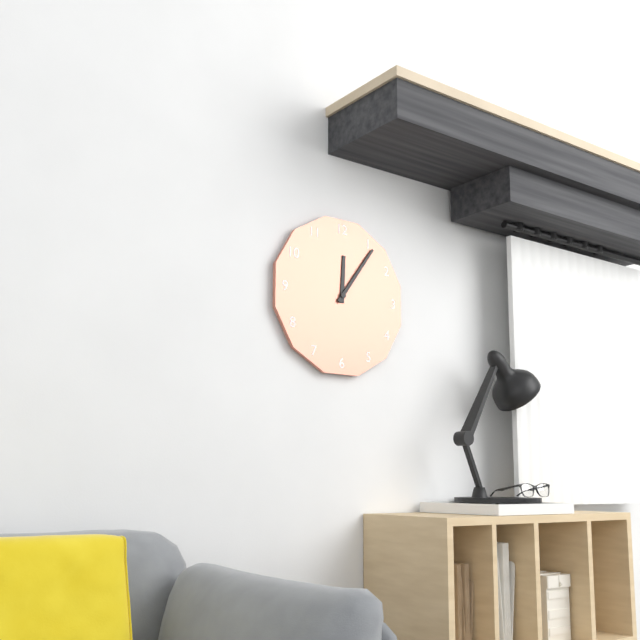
12:06
